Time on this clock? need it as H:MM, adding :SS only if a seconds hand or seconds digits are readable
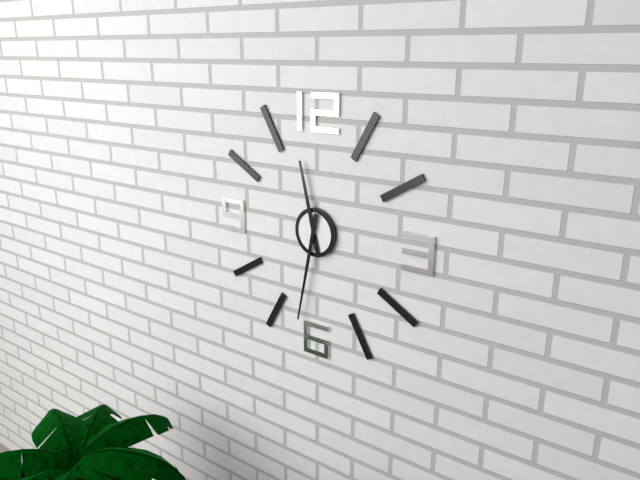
11:32
